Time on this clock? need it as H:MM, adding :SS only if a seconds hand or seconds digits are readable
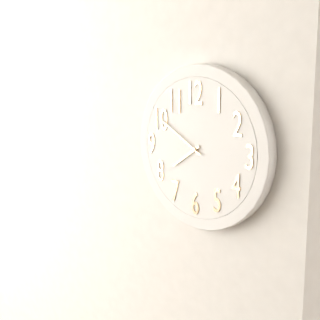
7:50
